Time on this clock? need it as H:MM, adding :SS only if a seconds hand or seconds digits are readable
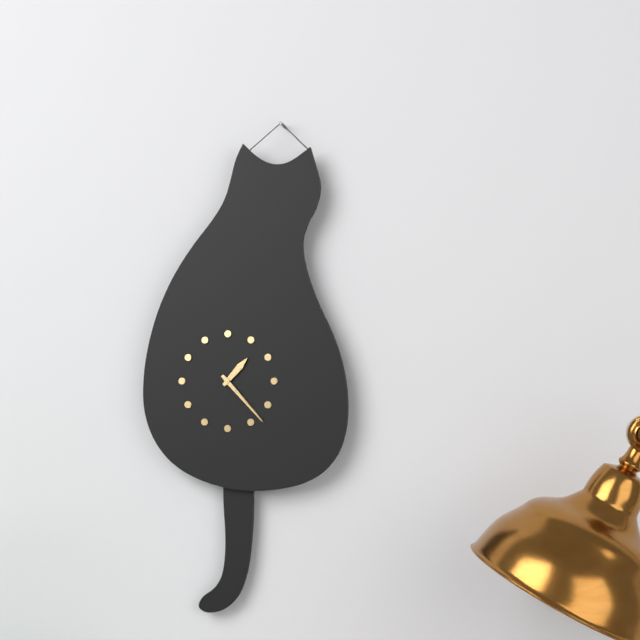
1:23
